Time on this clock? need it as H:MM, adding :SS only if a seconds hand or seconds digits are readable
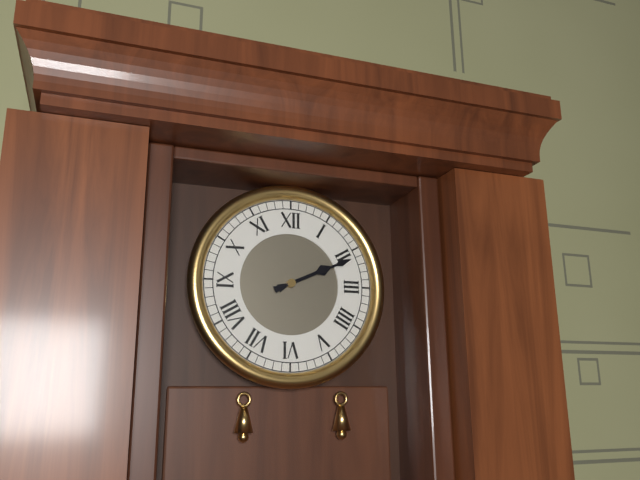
2:11
